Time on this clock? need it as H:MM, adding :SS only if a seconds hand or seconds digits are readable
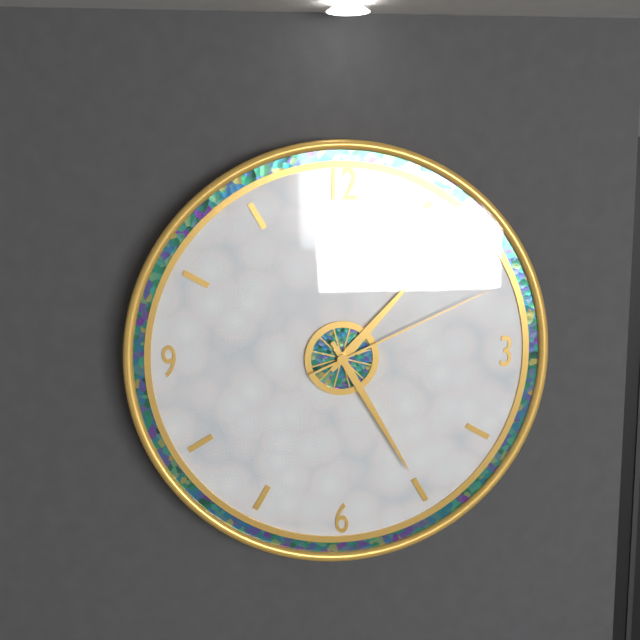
1:25:11
